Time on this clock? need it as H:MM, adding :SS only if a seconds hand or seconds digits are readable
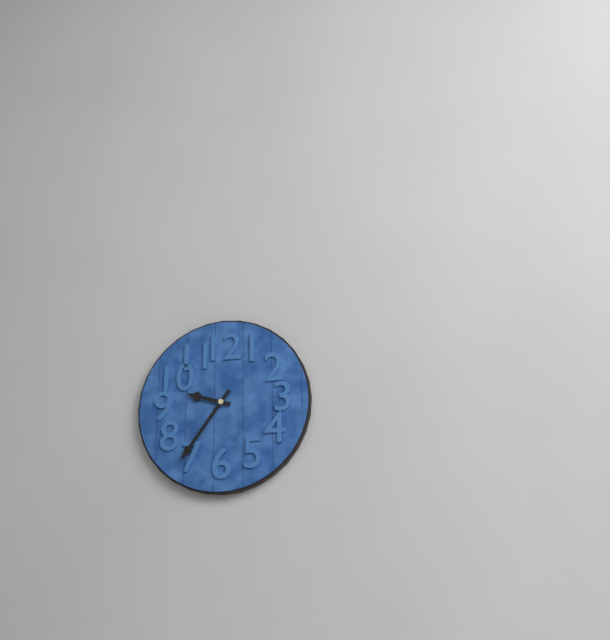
9:36
